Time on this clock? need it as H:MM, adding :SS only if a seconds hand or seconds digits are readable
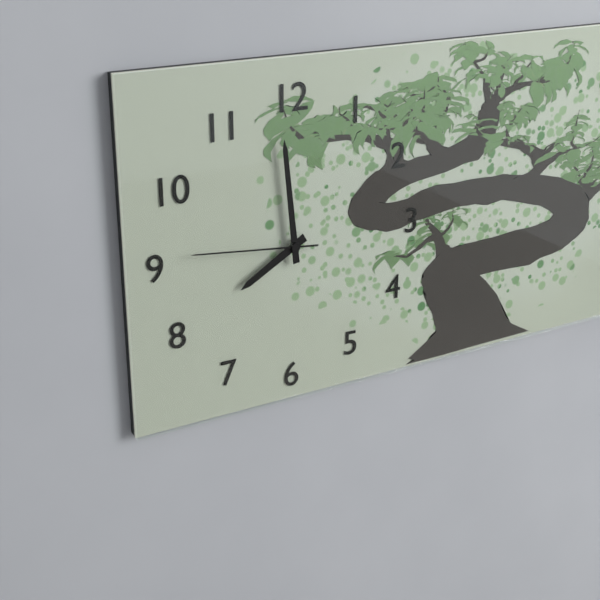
7:59:46
